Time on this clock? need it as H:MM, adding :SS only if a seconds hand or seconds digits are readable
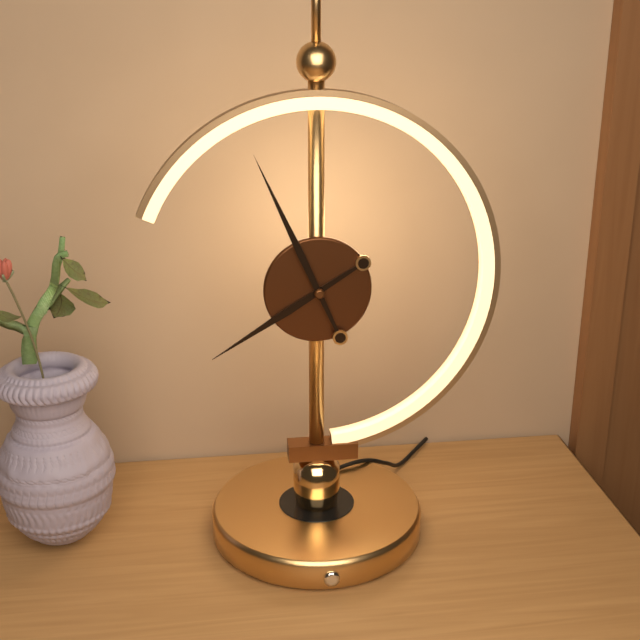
7:56
